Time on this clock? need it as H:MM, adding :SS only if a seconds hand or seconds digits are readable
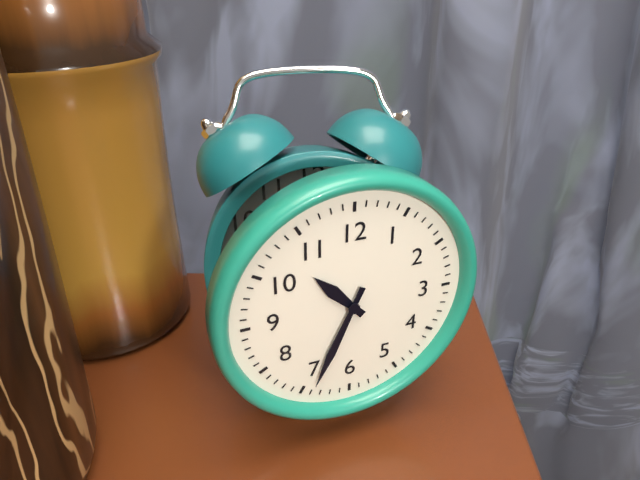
10:34
